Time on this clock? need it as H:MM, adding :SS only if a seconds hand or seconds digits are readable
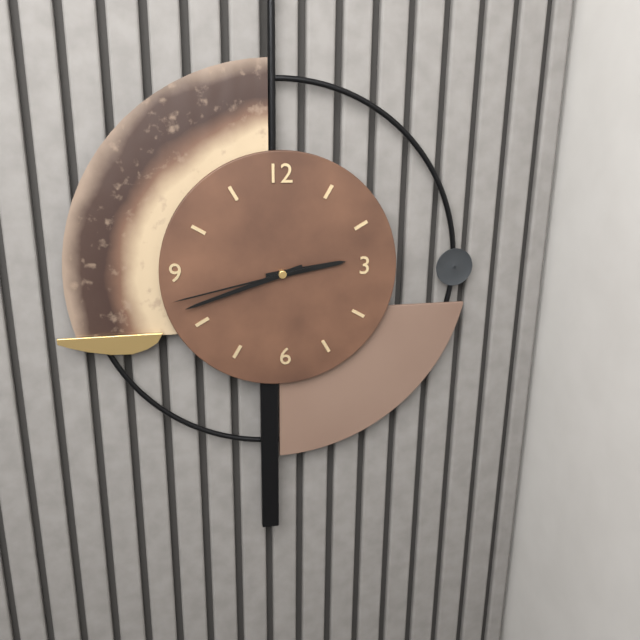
2:42:43
